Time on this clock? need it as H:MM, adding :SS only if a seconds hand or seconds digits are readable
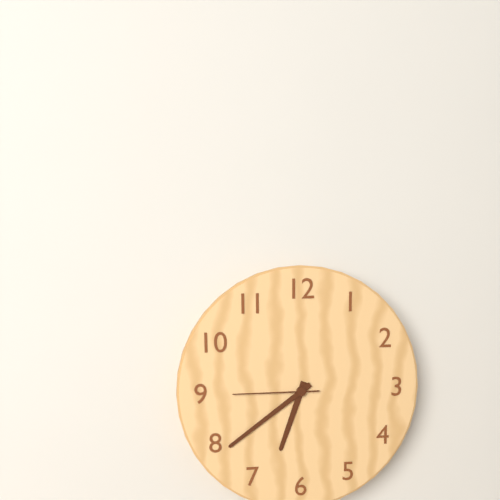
6:39:45
